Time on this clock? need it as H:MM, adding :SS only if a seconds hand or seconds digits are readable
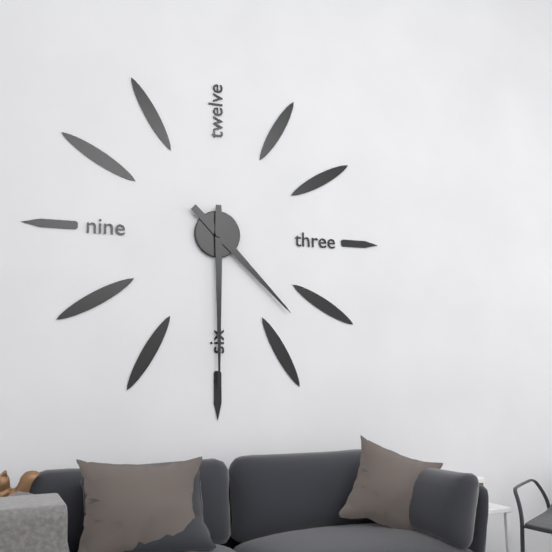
4:30
